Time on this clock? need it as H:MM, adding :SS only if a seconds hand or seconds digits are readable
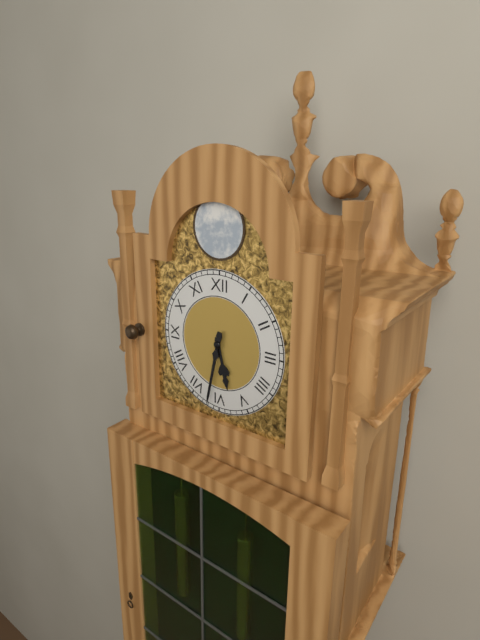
5:32
